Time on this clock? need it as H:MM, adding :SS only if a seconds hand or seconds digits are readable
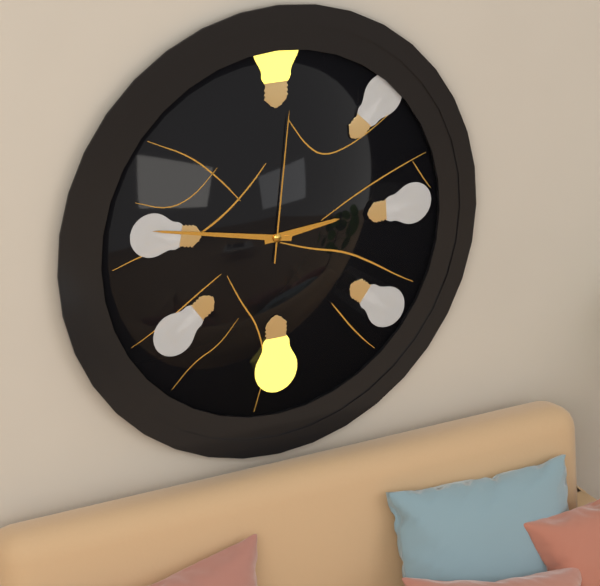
2:47:01
